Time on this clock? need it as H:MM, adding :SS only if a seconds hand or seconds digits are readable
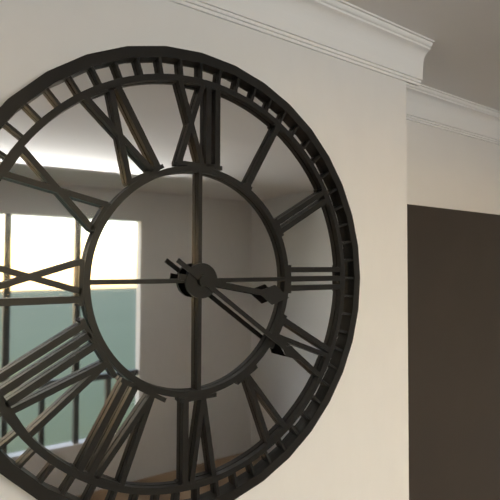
3:21
